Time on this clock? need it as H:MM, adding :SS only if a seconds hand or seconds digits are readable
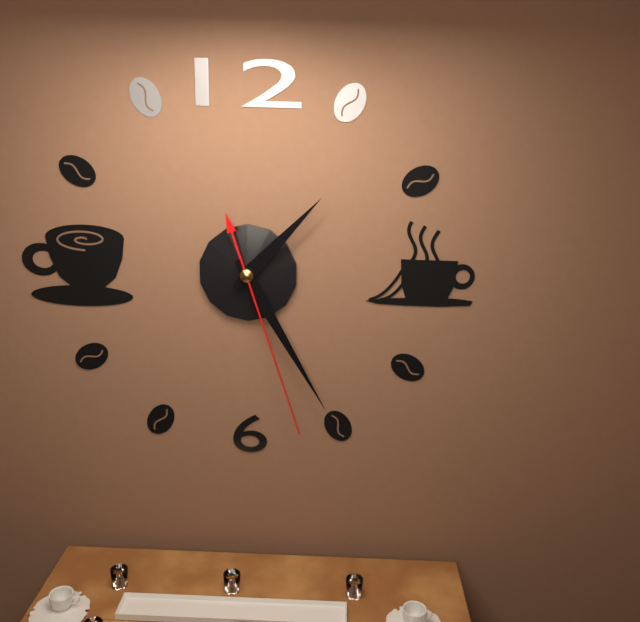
1:25:27
